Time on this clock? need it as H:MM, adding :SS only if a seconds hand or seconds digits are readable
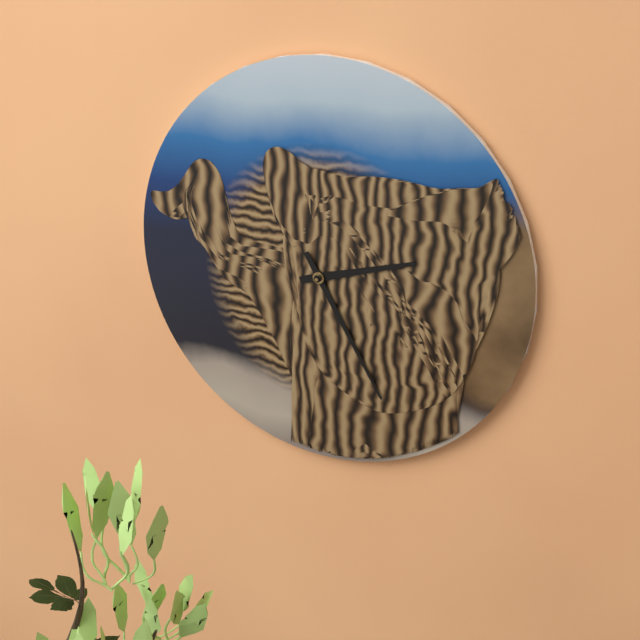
2:25
